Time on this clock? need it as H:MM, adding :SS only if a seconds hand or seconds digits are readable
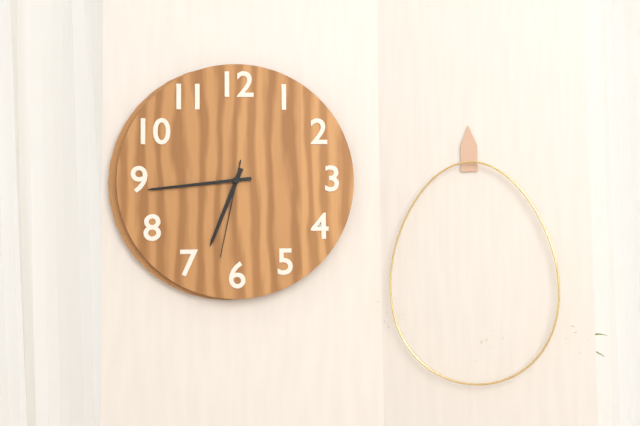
6:44:32
